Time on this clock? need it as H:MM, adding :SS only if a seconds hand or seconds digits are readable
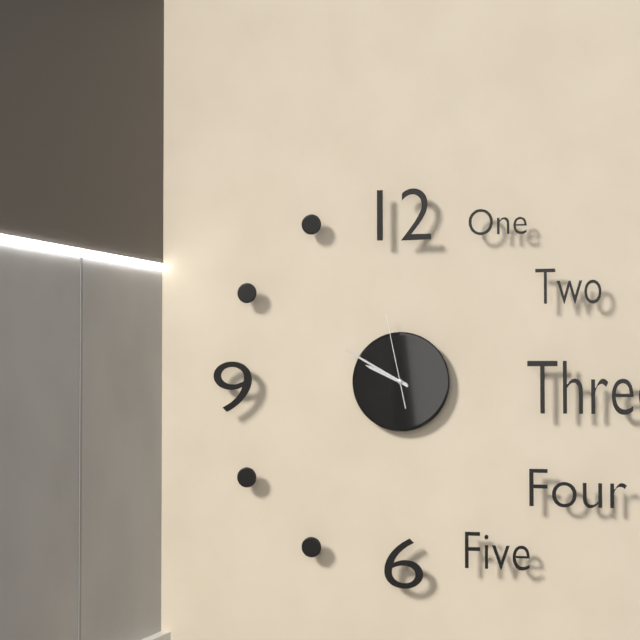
9:50:58
